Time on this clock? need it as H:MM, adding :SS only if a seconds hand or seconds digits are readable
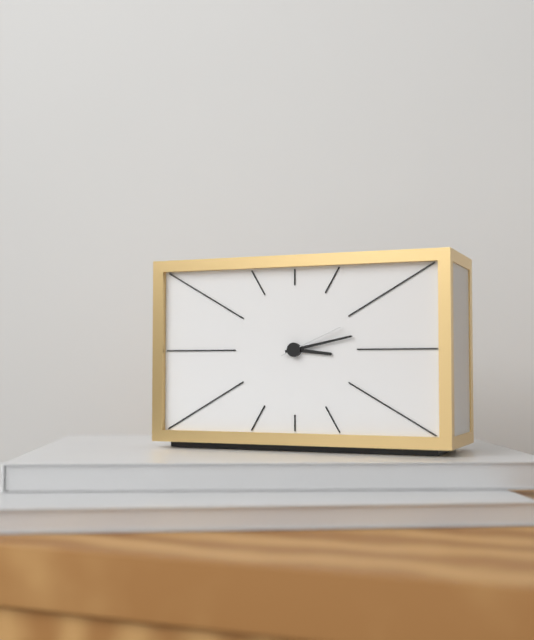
3:13:11
